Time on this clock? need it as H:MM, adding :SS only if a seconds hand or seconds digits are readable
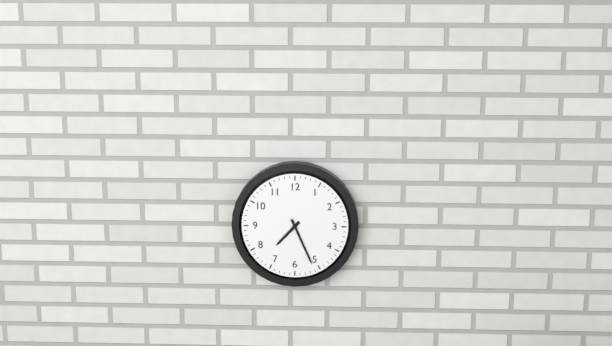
7:26
